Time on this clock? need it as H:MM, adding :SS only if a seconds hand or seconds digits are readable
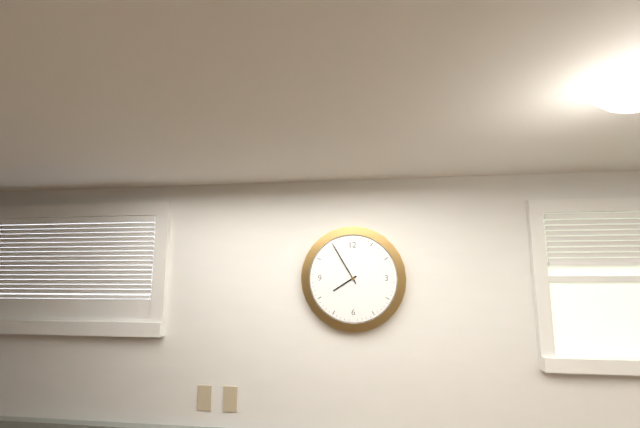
7:55
